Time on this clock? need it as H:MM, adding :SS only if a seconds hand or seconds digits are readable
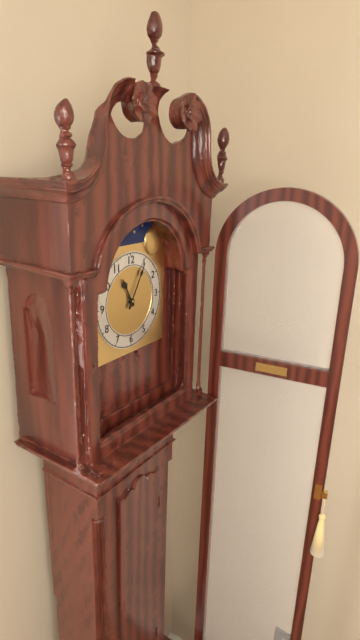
11:05
